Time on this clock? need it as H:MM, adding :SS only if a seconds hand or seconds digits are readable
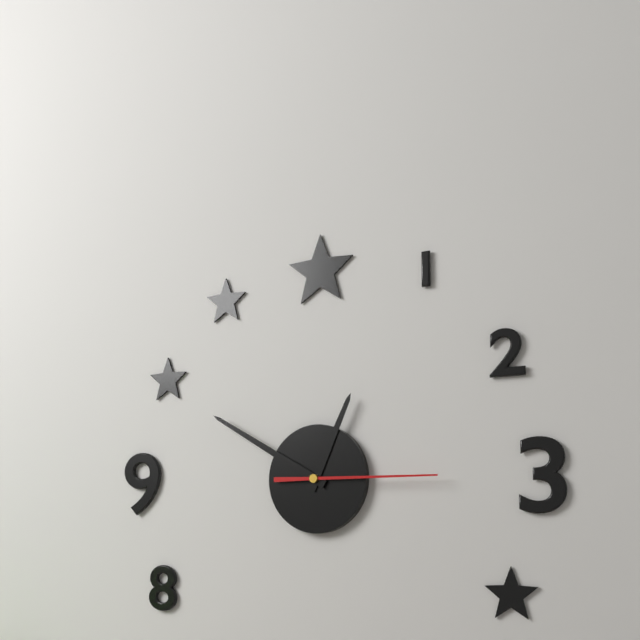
12:50:15
